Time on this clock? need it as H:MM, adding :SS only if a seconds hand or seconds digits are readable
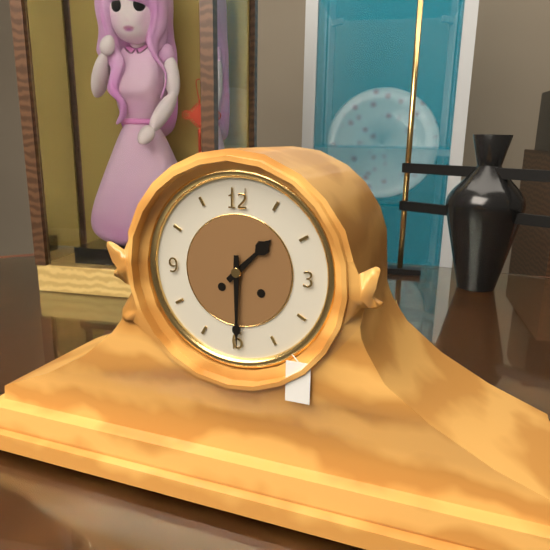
1:30
